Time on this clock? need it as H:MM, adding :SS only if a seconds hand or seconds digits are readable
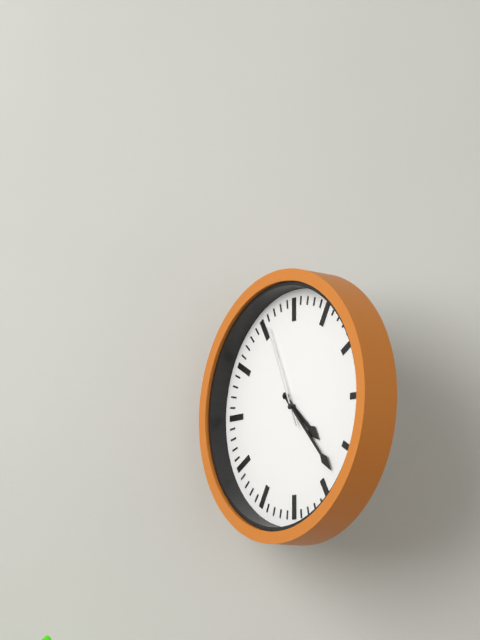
4:23:56
